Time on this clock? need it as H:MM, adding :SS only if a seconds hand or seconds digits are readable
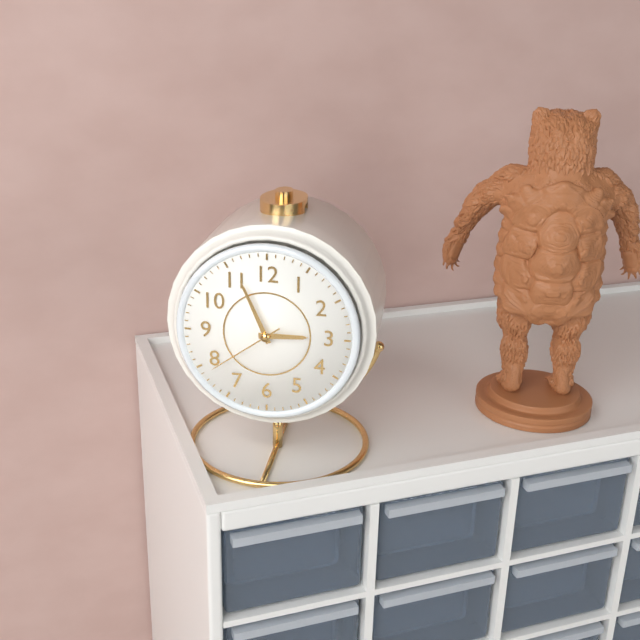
2:56:39
